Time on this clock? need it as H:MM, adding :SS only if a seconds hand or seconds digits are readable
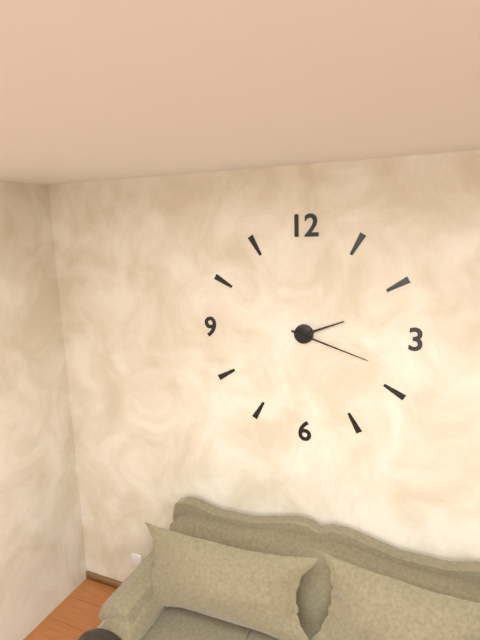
2:18
